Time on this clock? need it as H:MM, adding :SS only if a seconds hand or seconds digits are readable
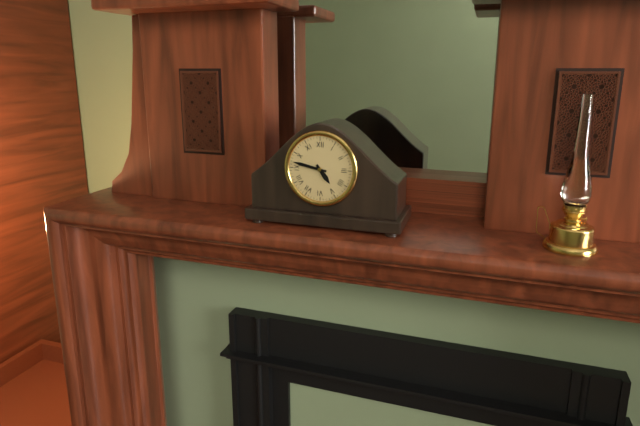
4:47
